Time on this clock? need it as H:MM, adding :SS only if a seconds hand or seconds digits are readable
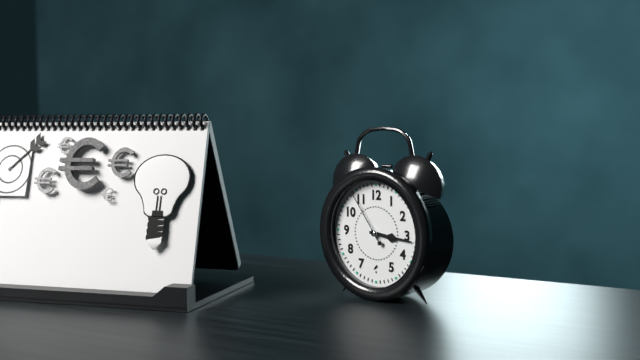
3:16:54
